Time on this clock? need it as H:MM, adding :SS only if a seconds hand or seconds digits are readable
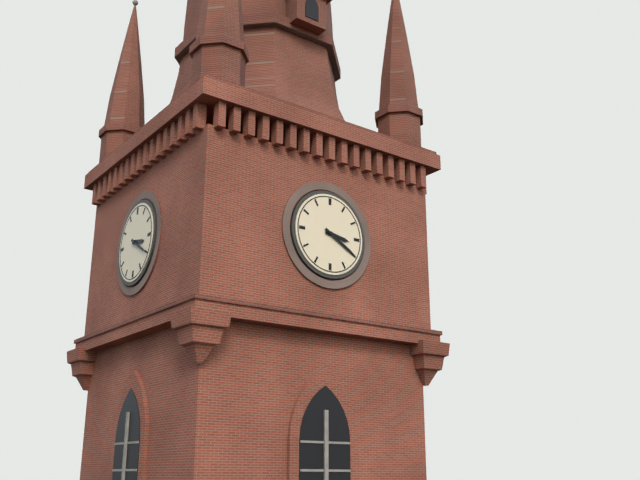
3:20
